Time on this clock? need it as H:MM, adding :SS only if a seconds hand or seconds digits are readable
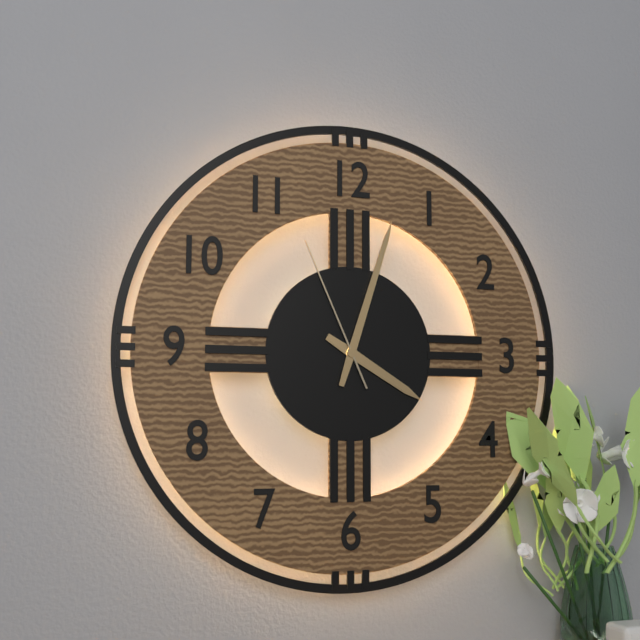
4:03:56
